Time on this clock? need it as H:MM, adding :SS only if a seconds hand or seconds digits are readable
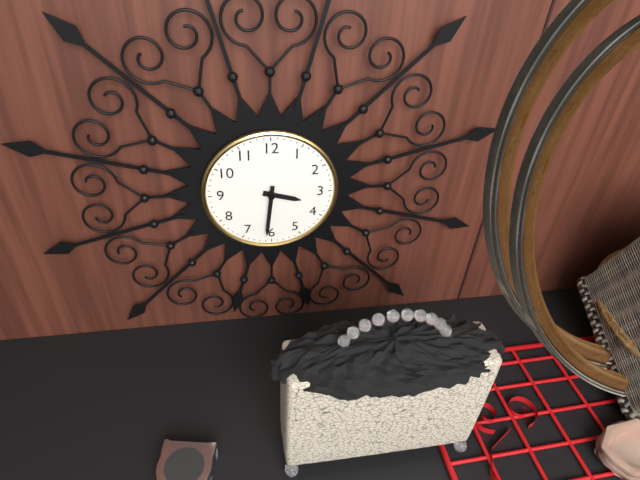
3:31
